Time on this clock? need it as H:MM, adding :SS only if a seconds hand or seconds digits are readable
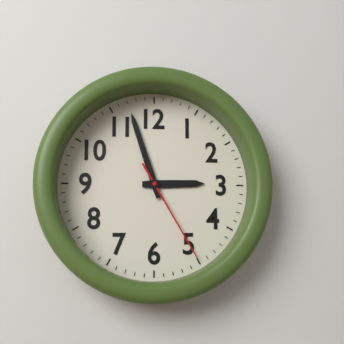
2:57:25
